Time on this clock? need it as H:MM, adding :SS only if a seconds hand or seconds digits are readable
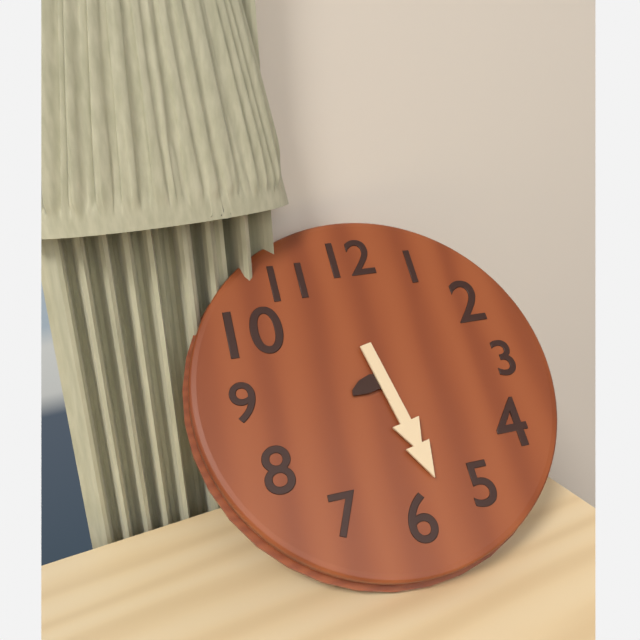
8:28
